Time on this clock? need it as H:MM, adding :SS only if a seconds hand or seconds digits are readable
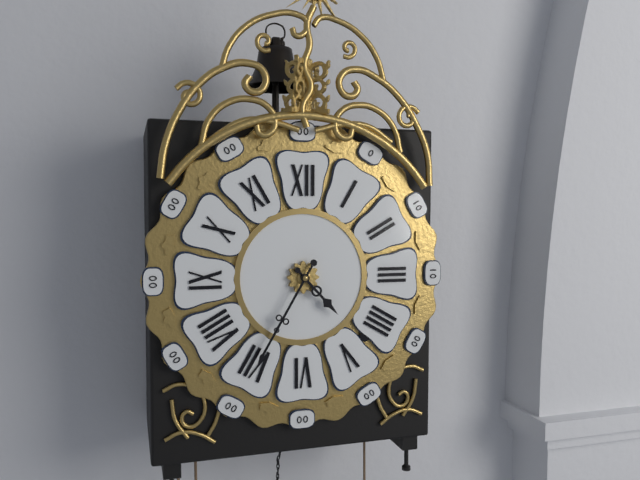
4:35
